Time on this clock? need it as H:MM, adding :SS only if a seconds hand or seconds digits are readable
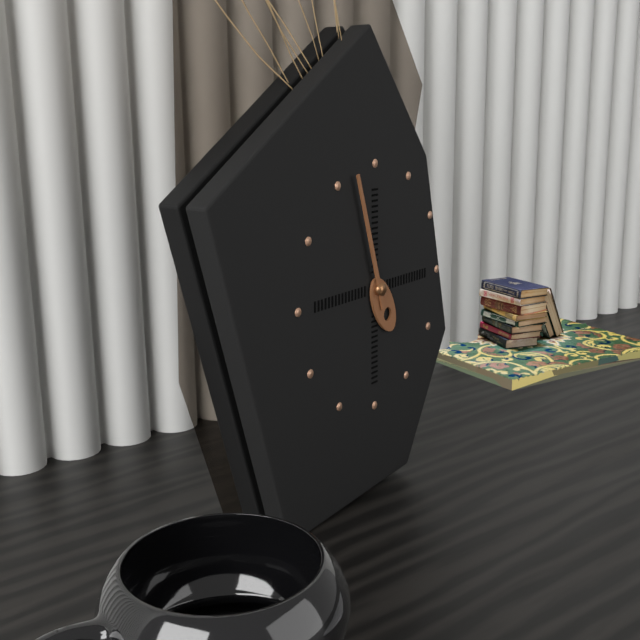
4:57
